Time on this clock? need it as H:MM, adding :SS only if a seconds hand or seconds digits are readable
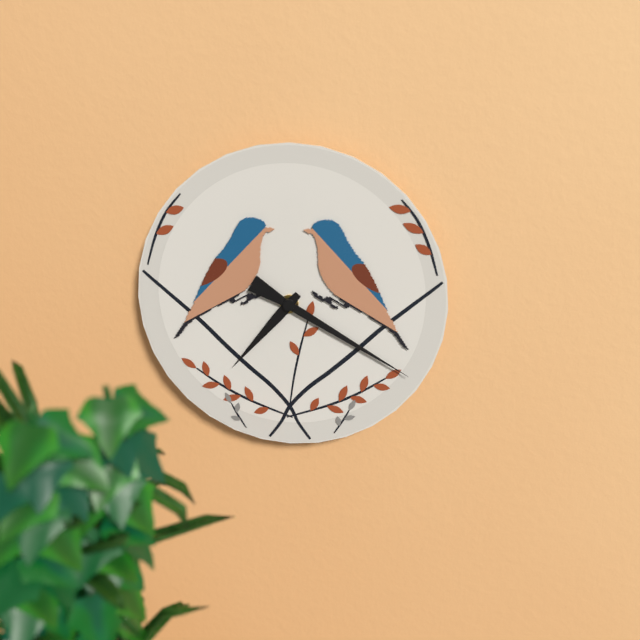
7:20
